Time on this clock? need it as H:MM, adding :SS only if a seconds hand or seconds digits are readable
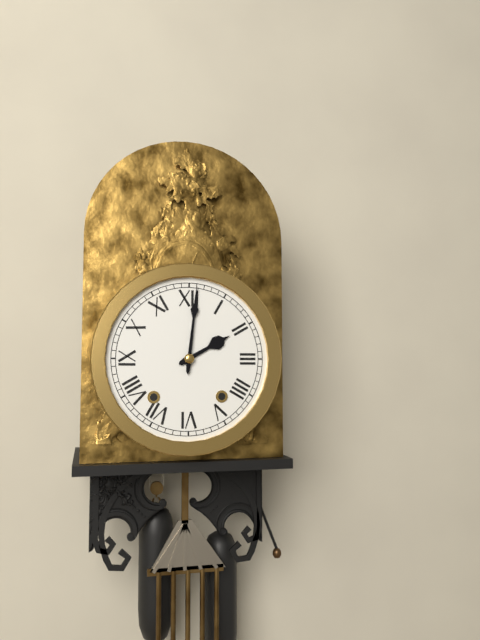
2:01
